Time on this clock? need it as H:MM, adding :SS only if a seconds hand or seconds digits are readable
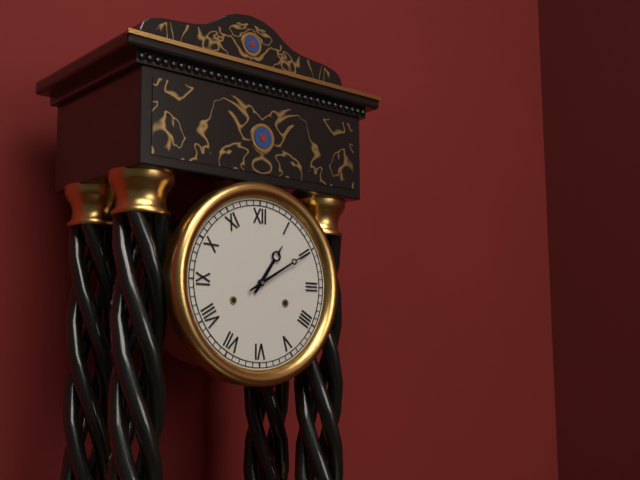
1:10
